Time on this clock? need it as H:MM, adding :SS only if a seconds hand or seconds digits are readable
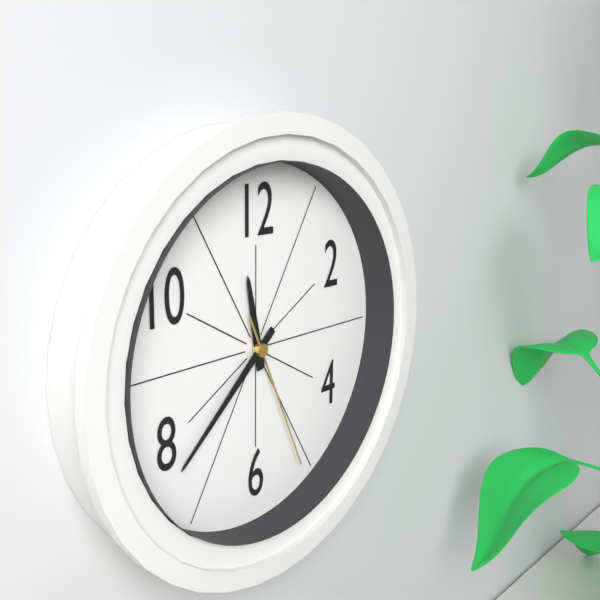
11:38:26
